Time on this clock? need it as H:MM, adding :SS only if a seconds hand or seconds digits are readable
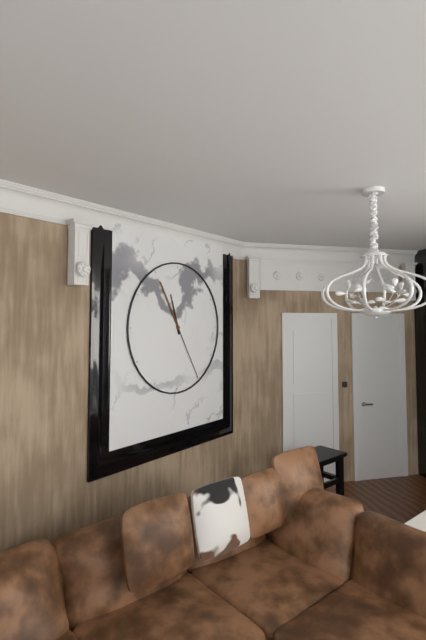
11:25
